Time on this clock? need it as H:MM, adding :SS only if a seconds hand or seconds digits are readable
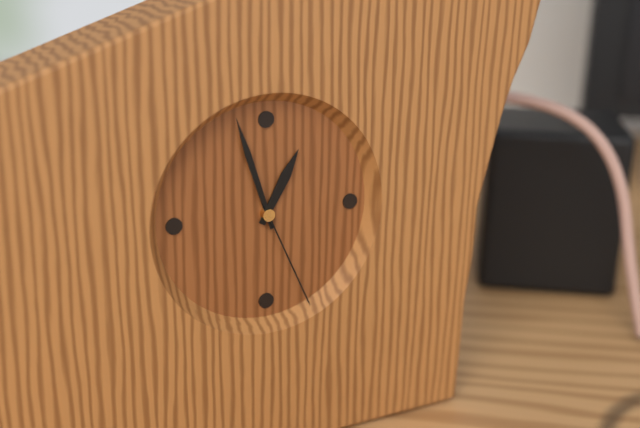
12:57:26
